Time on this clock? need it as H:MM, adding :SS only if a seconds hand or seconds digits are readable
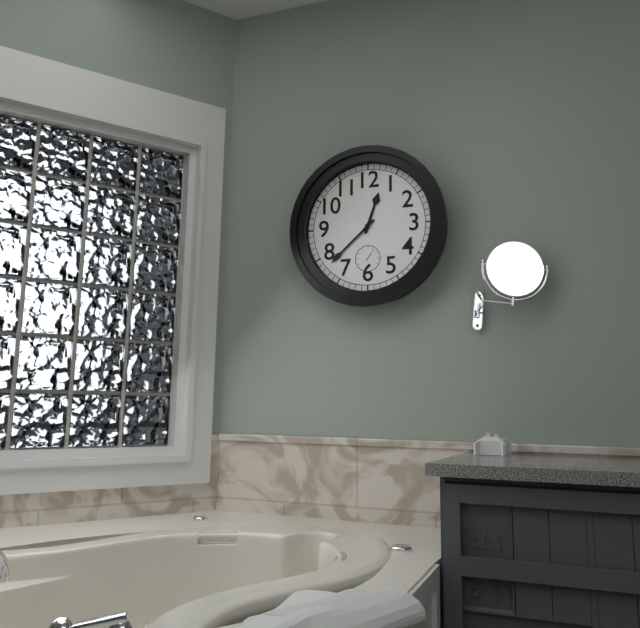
12:38
